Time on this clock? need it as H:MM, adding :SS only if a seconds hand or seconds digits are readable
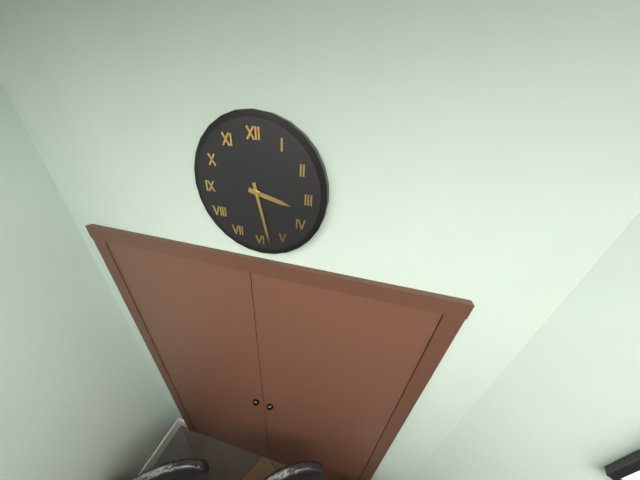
3:28
